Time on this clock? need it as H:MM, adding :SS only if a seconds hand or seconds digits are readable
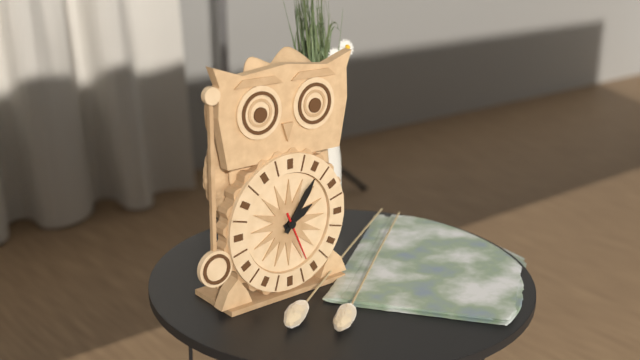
2:06
